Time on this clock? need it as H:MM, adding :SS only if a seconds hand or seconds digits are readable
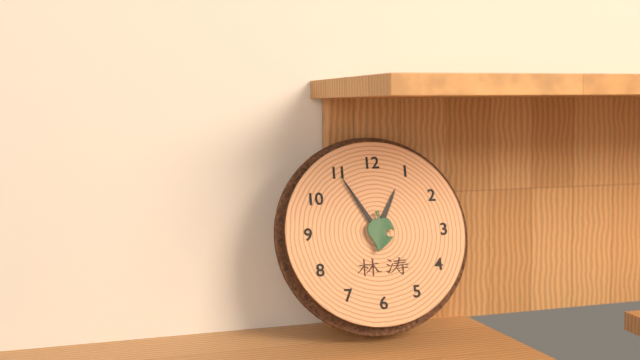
12:55
